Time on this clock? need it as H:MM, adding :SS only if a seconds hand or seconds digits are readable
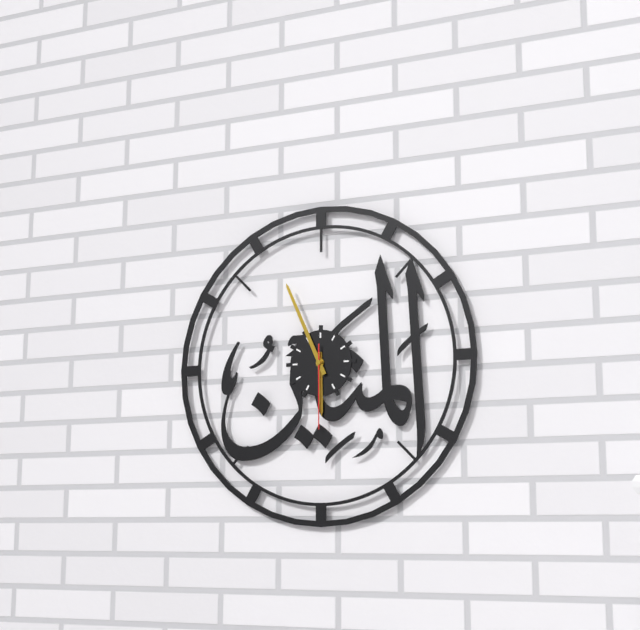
5:56:30
